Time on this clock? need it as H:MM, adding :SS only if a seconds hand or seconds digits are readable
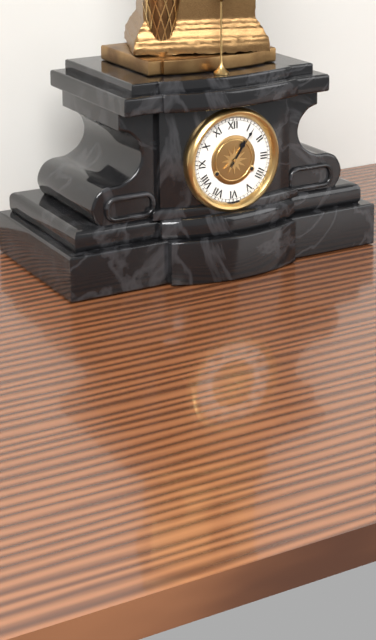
1:06
